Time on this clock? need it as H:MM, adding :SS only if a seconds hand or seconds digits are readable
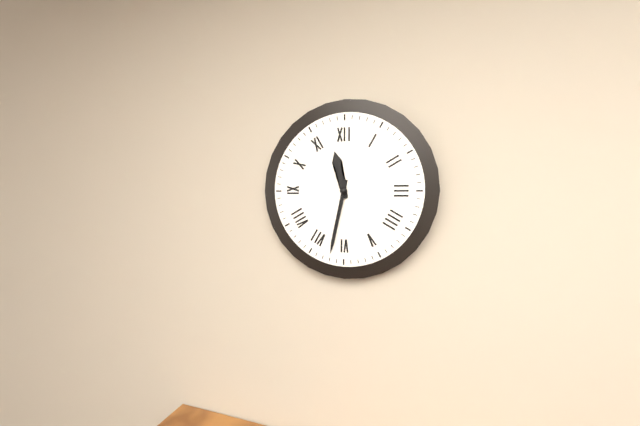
11:32
